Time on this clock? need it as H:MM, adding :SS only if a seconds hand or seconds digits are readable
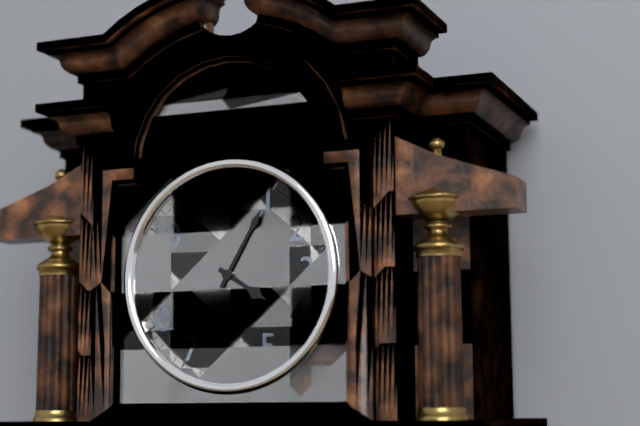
4:05
